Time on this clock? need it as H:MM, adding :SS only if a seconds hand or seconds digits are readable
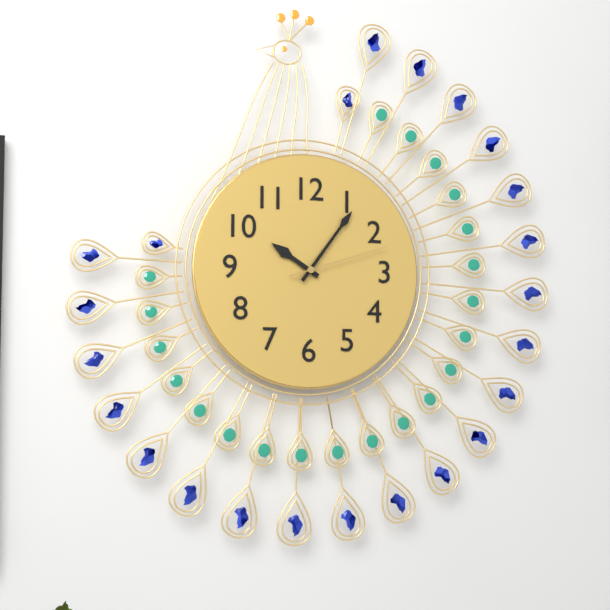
10:06:12
